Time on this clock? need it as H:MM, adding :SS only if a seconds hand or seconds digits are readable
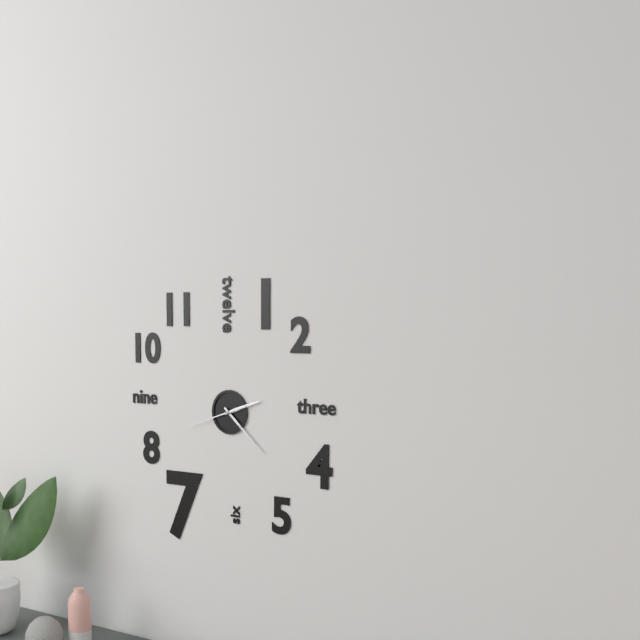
2:22:42
